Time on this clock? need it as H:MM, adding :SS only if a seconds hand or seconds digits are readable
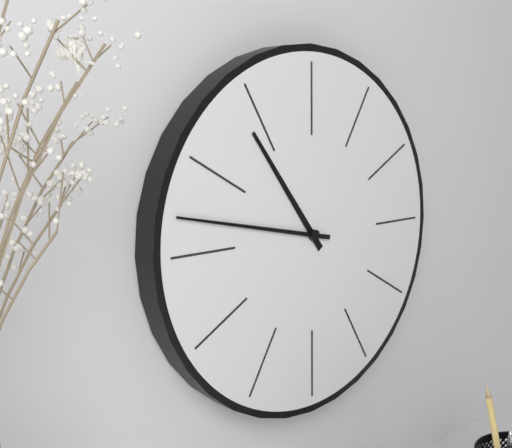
10:47
